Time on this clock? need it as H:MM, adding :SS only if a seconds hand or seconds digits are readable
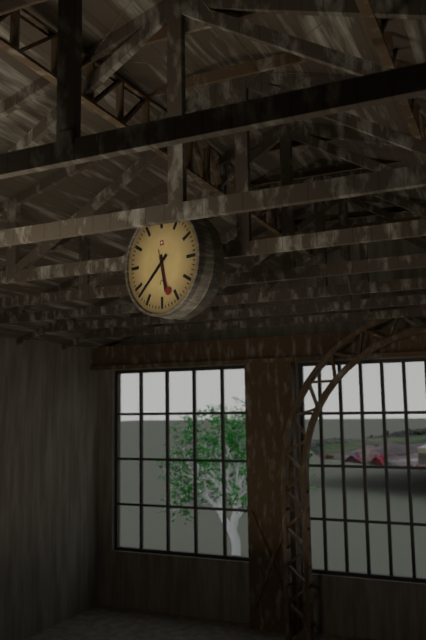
5:38
